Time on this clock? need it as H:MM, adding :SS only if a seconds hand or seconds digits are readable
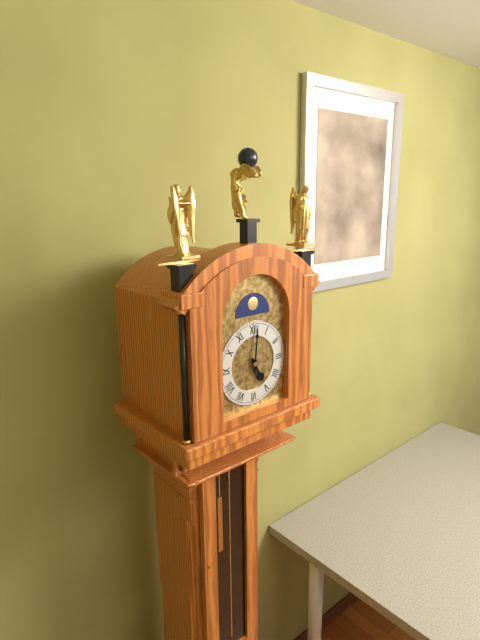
5:01
